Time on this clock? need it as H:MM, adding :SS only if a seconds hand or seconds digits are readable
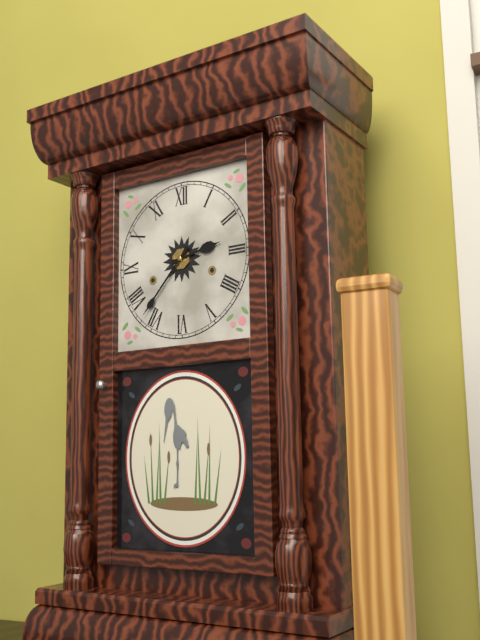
2:37
